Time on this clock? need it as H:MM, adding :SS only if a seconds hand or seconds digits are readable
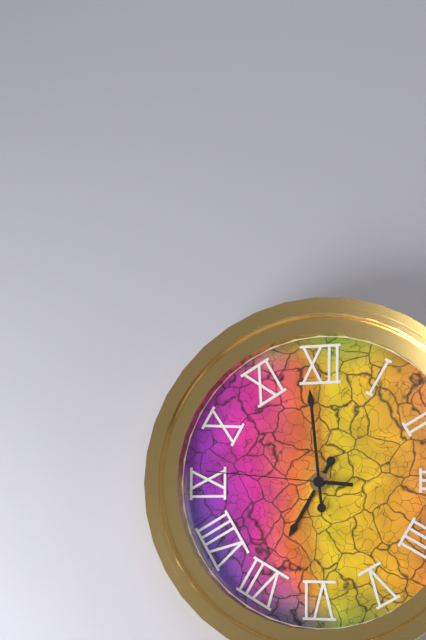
6:59:46
